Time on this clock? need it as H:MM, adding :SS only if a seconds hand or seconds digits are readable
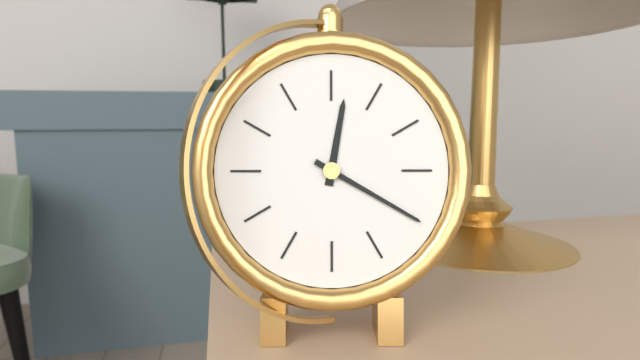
12:20
